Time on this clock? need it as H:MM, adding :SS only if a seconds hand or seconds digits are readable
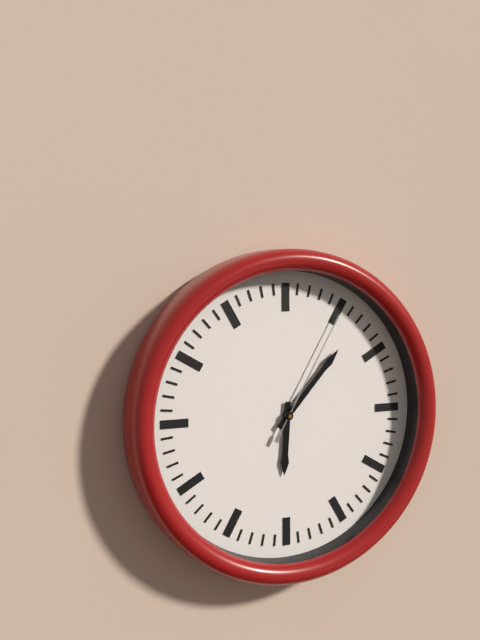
6:07:05
